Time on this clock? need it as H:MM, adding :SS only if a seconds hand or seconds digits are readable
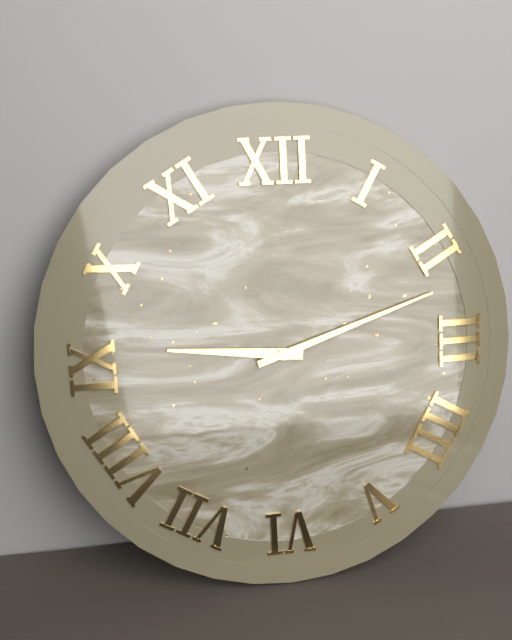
9:12
